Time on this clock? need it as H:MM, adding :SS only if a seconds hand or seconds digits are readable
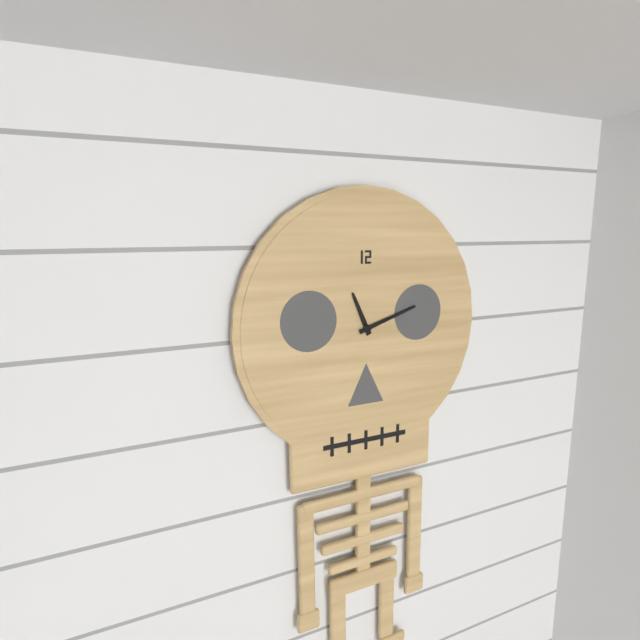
11:12
